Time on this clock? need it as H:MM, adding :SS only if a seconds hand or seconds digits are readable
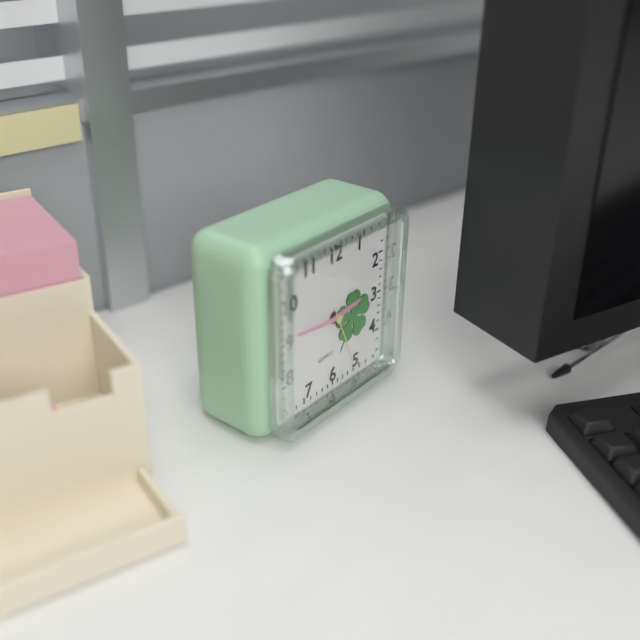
2:46:26
